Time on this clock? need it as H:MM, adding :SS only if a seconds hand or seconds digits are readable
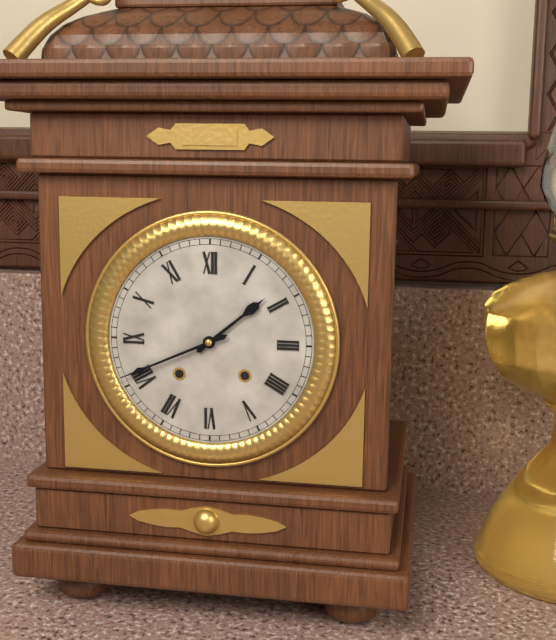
1:41
